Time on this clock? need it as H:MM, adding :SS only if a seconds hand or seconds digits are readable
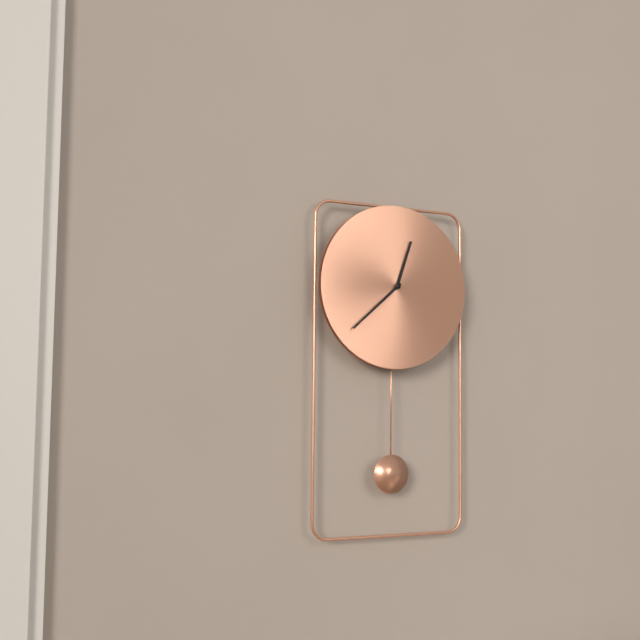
12:38
